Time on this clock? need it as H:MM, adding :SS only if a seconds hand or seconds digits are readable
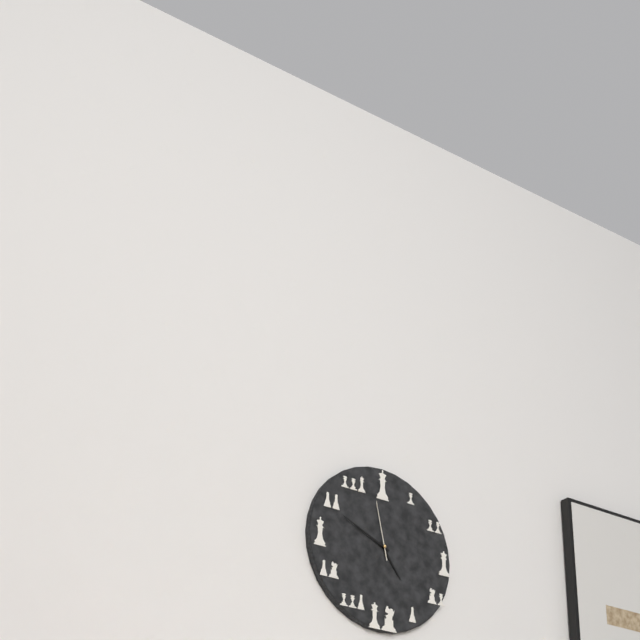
4:49:58
